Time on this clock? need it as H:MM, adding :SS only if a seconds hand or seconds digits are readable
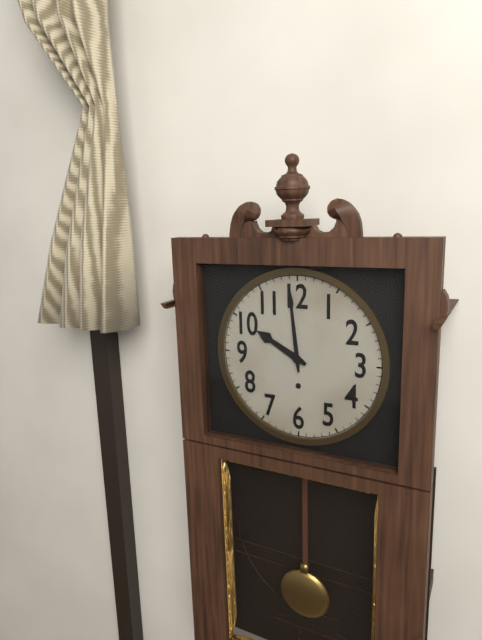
9:59
